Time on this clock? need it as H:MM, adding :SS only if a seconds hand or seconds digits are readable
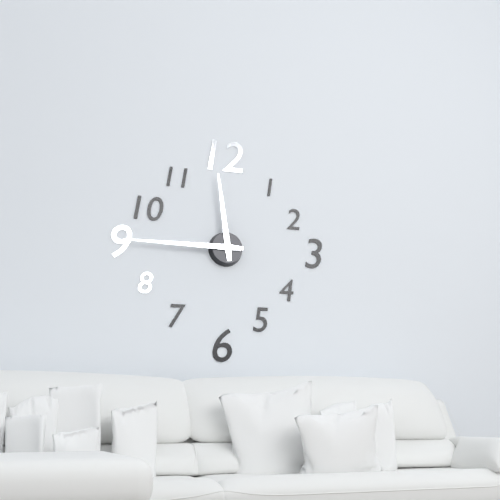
11:45
